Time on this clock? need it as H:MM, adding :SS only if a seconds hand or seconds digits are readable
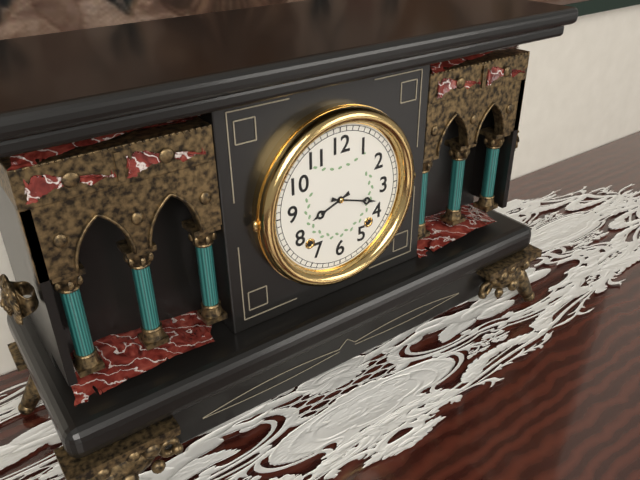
8:18
